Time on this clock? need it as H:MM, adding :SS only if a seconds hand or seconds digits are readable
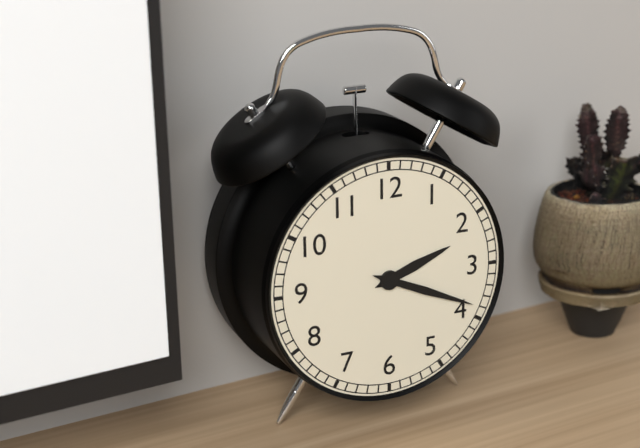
2:19
